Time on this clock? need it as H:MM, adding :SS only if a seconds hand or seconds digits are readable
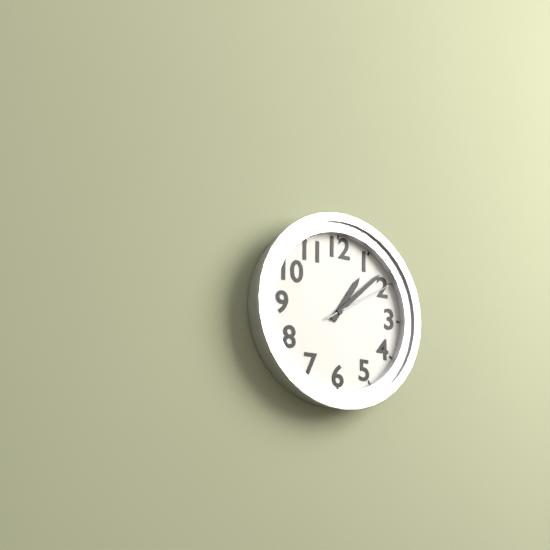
1:08:10
